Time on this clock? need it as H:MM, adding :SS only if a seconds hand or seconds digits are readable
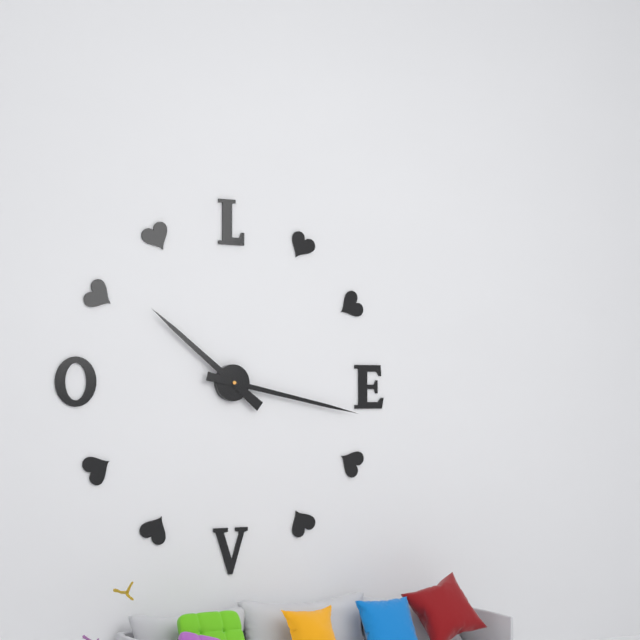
10:17
